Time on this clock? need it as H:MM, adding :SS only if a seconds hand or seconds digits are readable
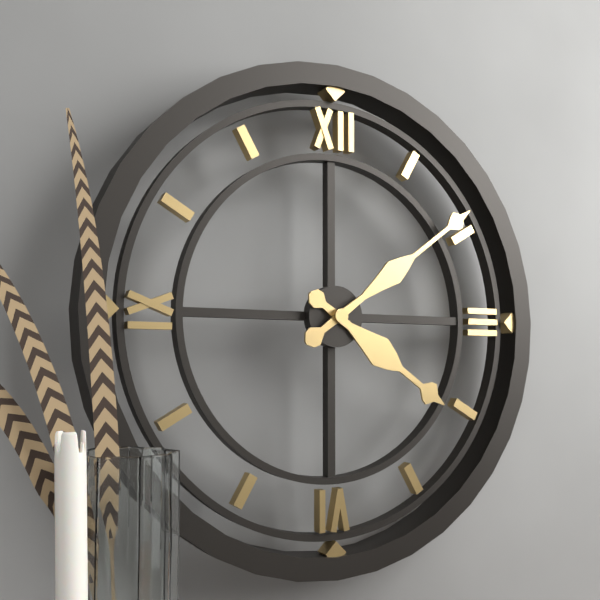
4:09
